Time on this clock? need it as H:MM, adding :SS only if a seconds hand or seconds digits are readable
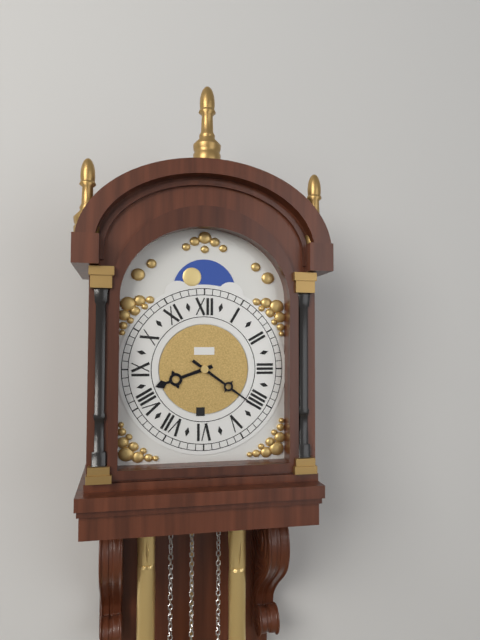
8:21
